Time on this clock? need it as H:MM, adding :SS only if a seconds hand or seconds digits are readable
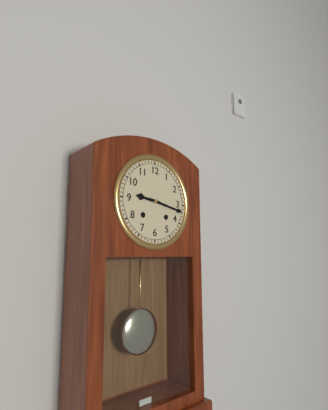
9:17
